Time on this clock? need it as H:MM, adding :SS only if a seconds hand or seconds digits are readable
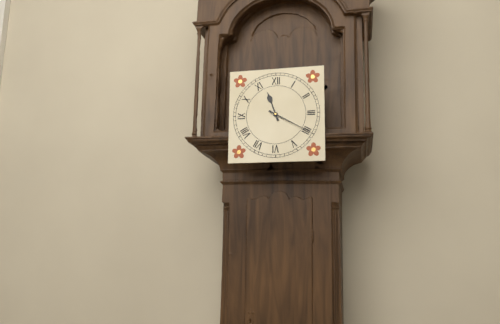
11:20
